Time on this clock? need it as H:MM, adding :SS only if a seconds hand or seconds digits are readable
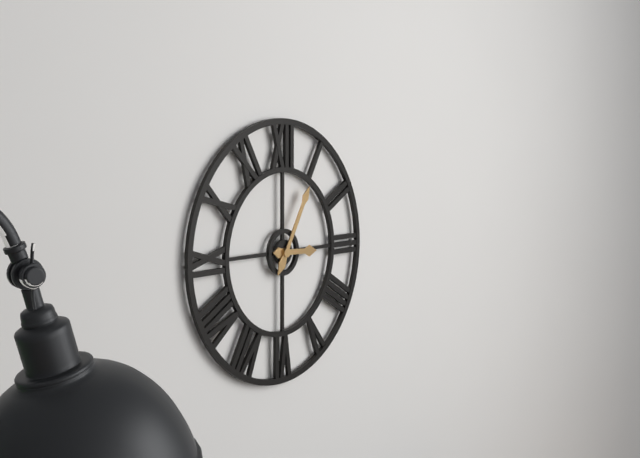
3:05
